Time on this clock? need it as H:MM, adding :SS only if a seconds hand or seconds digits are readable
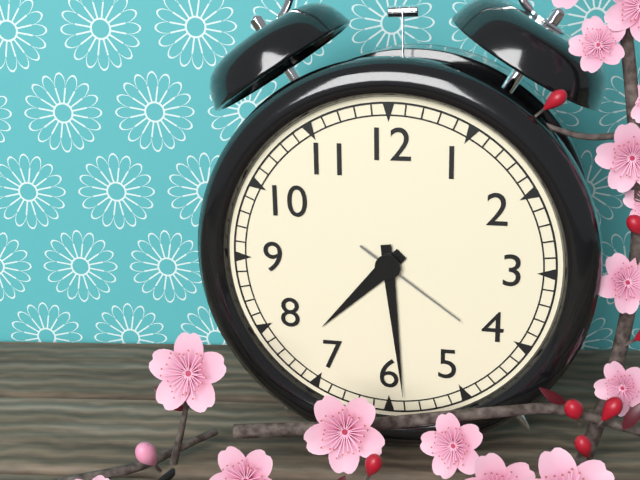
7:29:21
